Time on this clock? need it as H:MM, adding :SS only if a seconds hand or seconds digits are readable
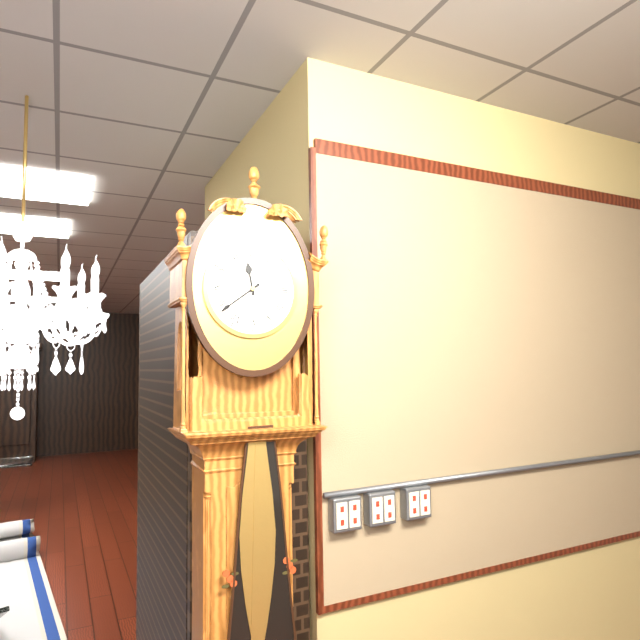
11:39
